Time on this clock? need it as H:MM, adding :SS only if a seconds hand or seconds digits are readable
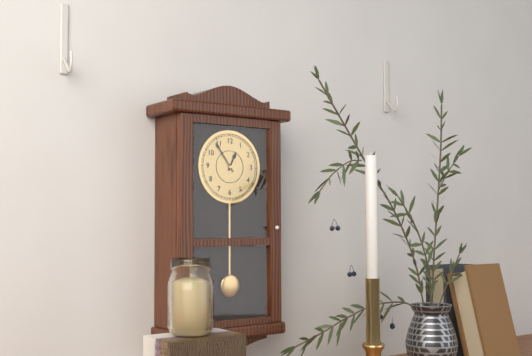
12:54
